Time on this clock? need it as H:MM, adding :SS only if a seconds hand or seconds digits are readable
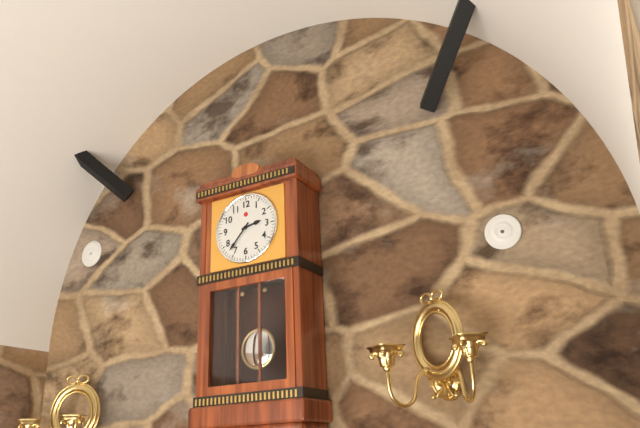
2:37
